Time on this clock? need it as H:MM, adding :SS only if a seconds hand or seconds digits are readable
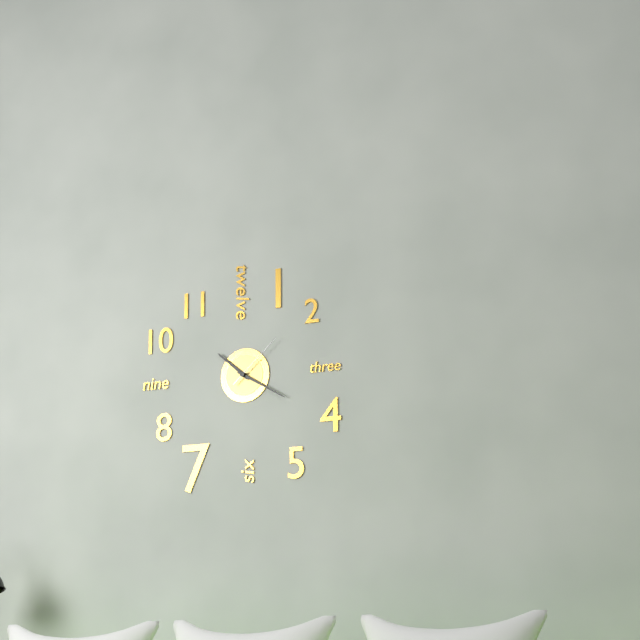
10:20:08
